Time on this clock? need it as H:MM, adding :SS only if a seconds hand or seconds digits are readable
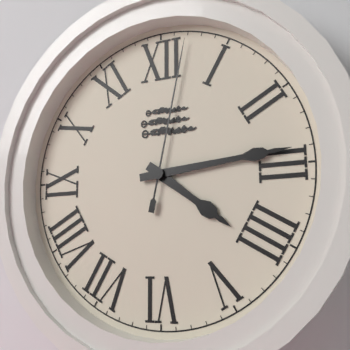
4:14:02
